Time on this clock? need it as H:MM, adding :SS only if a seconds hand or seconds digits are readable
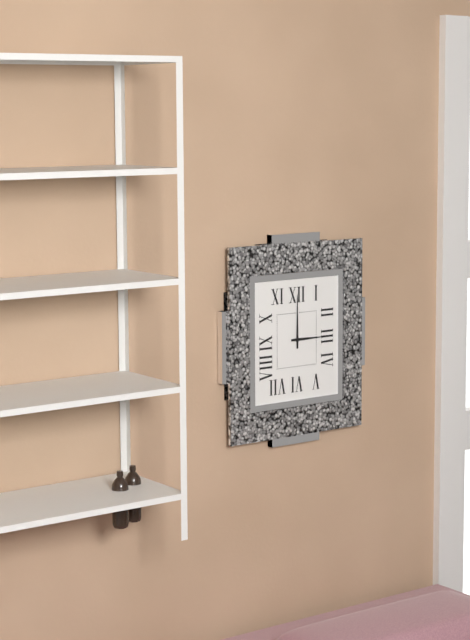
3:00
